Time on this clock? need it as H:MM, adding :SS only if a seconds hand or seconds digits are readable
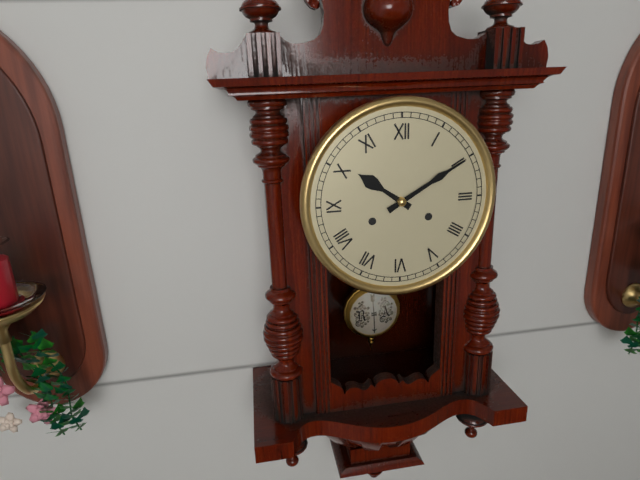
10:10
